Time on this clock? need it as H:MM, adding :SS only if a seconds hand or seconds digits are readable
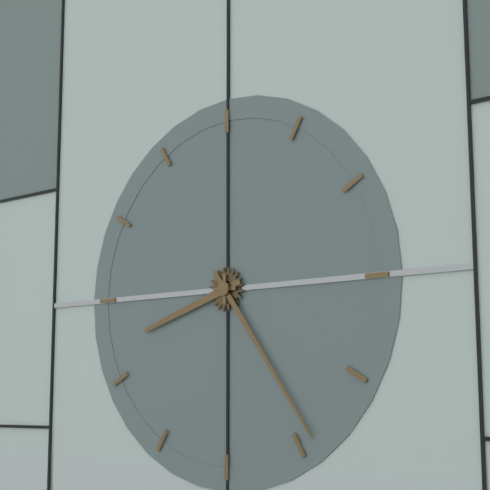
8:24
